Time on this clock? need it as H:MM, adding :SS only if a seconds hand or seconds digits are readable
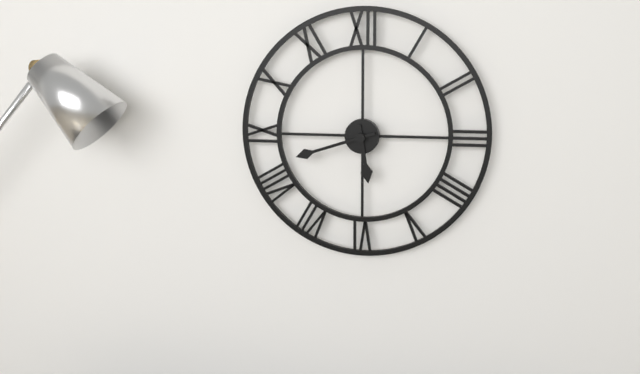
5:42
